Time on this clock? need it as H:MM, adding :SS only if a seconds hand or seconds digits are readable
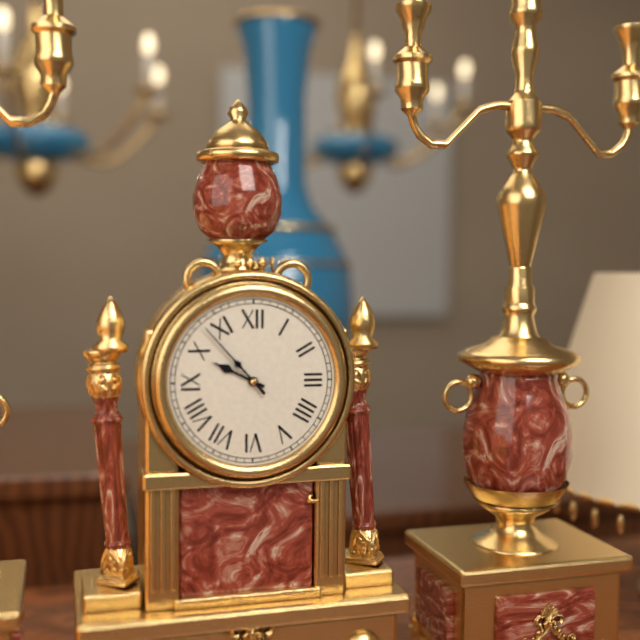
9:53
